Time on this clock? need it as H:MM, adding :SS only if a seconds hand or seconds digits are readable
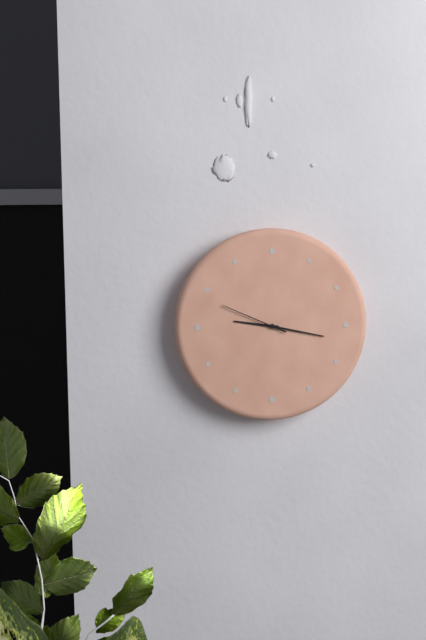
9:17:49
